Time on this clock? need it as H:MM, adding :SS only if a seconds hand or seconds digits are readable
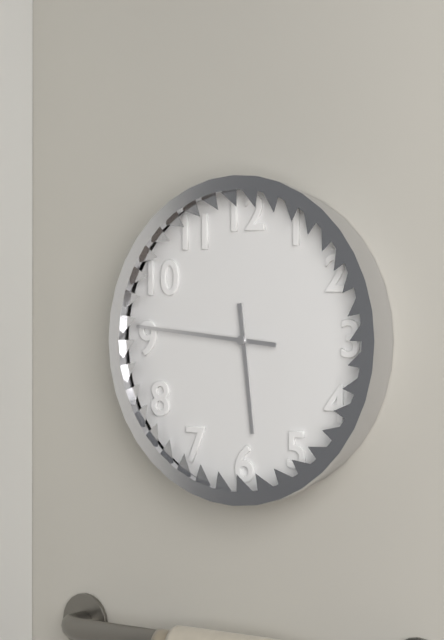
5:46
